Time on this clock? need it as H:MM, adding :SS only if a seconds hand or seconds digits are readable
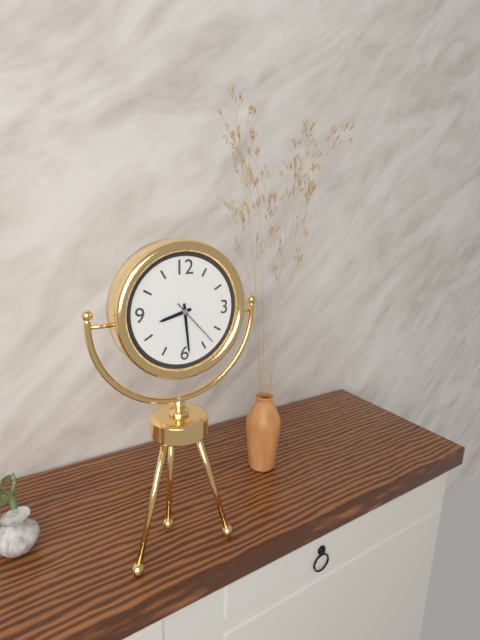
8:29:23
